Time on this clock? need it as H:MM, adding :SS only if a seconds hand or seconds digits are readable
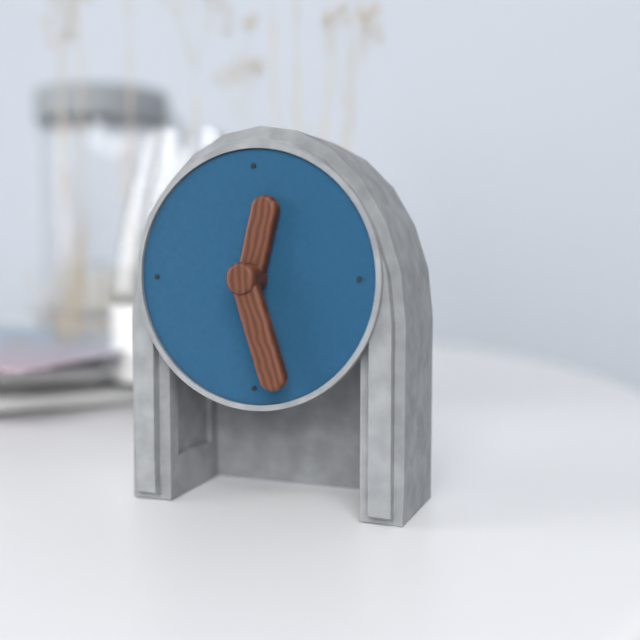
12:27
